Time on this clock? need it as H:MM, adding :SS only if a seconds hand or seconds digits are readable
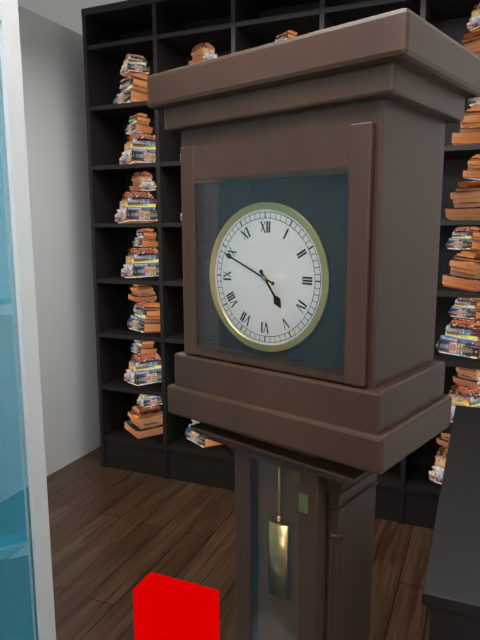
4:49
